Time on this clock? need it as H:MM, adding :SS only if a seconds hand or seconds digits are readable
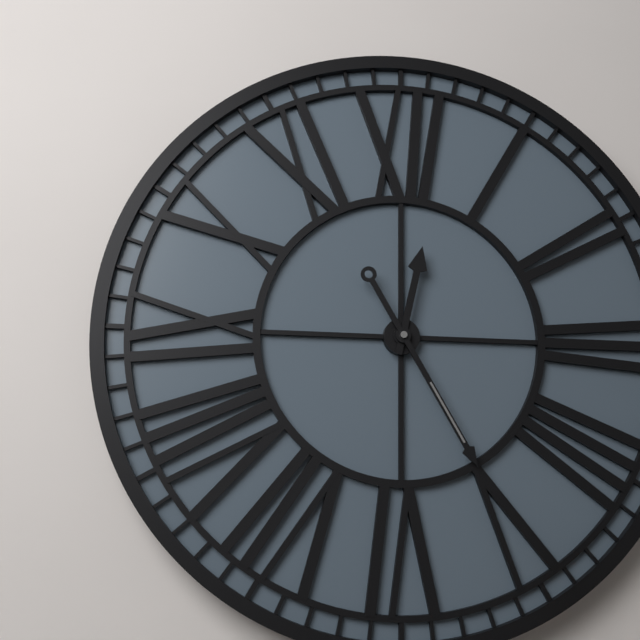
12:25
